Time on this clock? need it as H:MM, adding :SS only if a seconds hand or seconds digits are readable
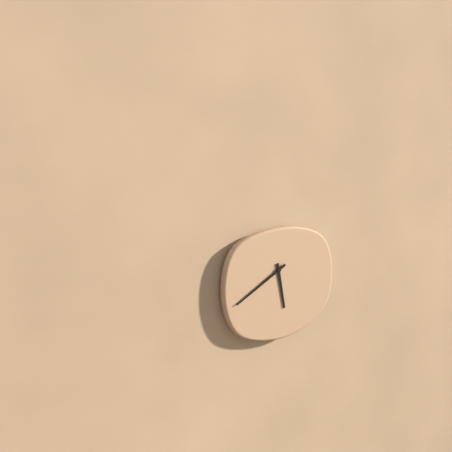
5:40
